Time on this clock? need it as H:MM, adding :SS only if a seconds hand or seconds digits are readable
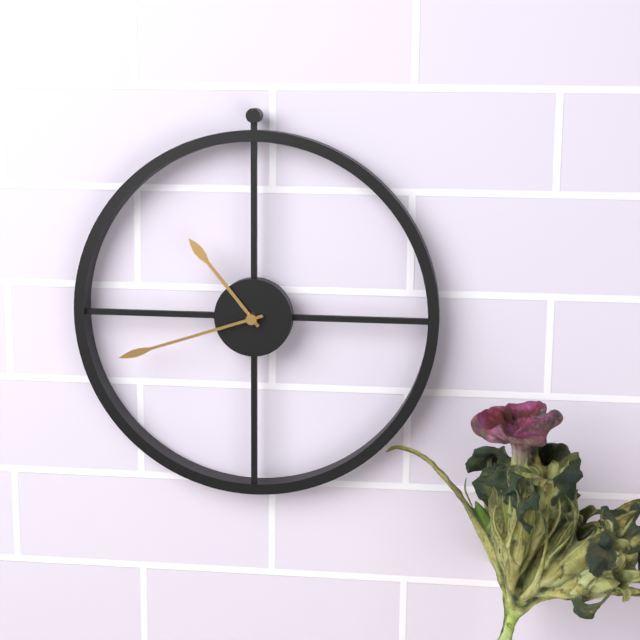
10:42
